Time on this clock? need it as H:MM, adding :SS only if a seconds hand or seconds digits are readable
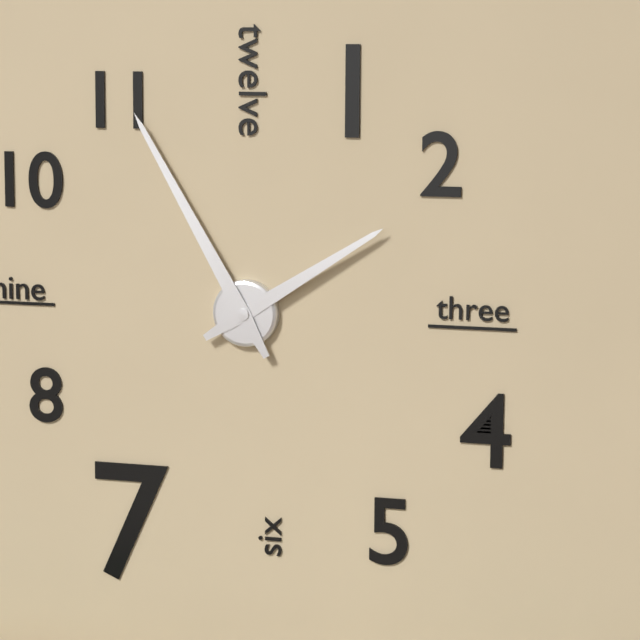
1:55
